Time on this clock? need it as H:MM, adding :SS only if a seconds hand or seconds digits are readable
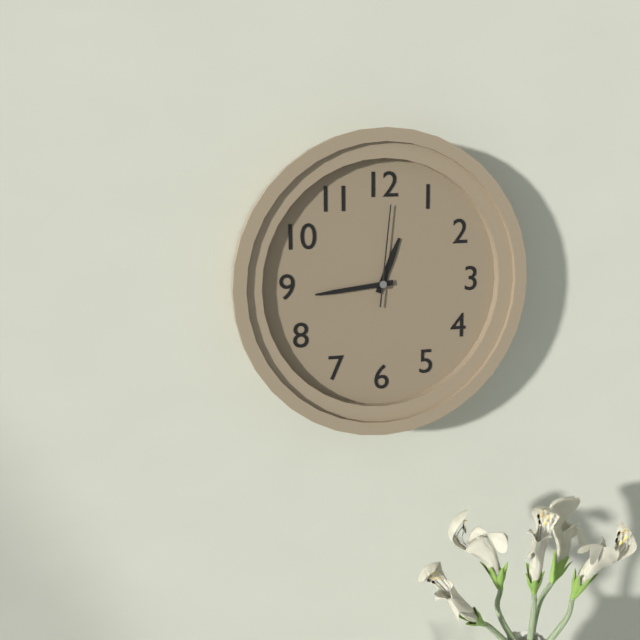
12:44:01
